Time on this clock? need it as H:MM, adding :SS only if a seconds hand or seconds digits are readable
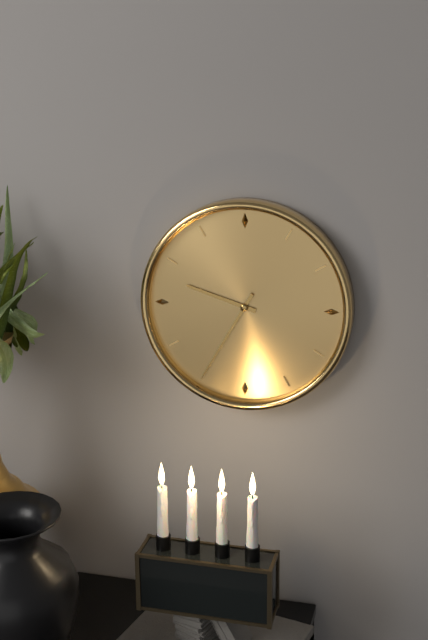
9:35
